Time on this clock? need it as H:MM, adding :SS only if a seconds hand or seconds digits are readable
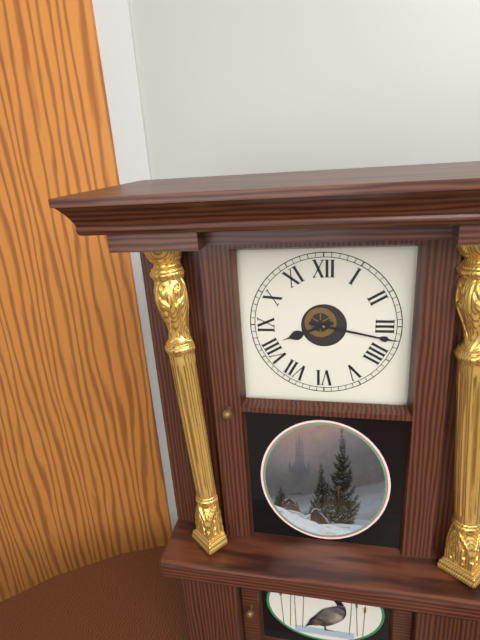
8:17
